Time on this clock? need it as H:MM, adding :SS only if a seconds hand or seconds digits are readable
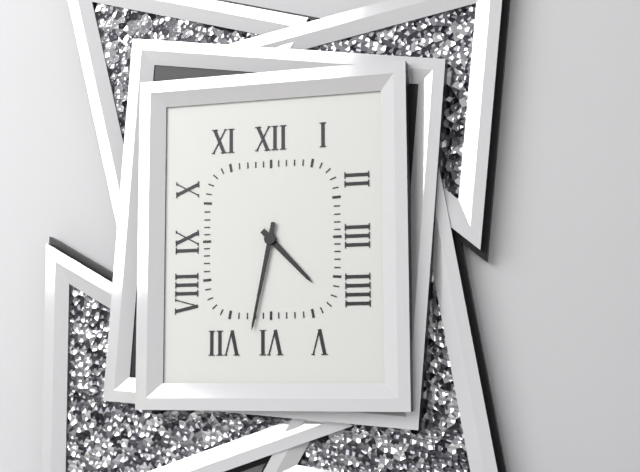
4:32
